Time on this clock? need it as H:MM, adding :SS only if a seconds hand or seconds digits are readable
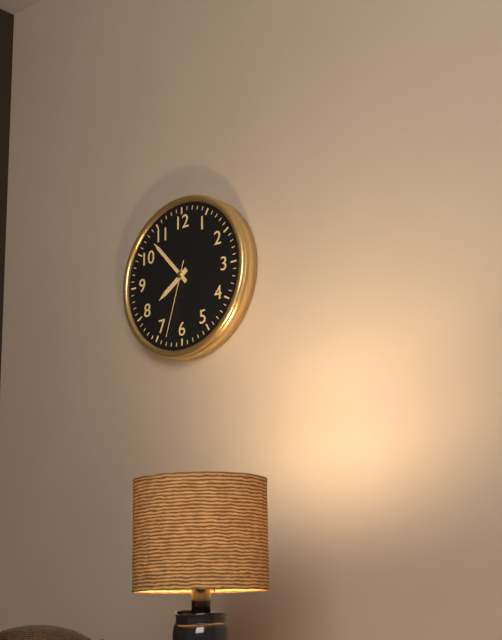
7:53:33
